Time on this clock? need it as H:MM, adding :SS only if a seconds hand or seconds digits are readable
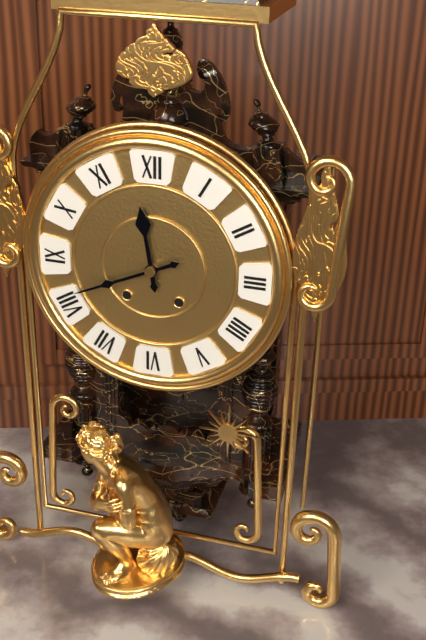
11:41
